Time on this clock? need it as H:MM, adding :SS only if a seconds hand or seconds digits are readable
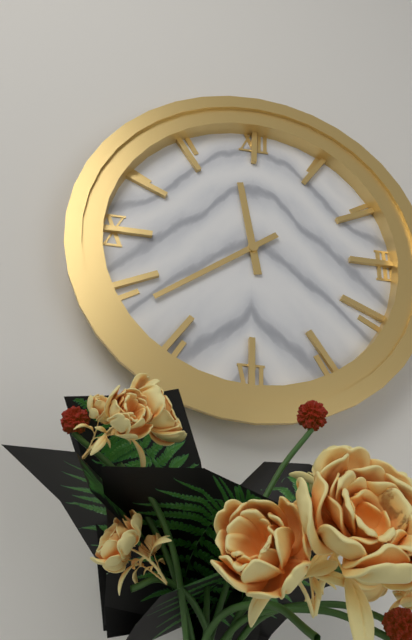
11:39
